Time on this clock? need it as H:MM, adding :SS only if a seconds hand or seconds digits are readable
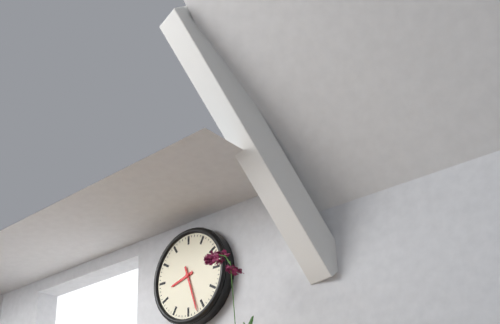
8:27
